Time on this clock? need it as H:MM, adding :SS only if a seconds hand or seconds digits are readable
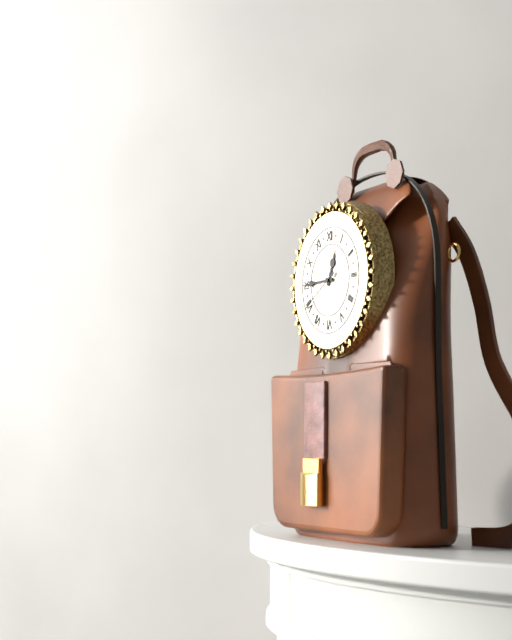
12:45:40
